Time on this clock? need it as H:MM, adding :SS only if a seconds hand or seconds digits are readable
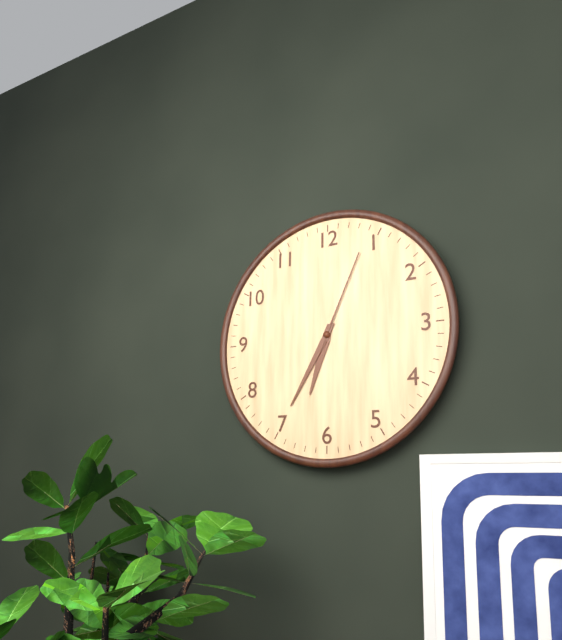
6:35:04
